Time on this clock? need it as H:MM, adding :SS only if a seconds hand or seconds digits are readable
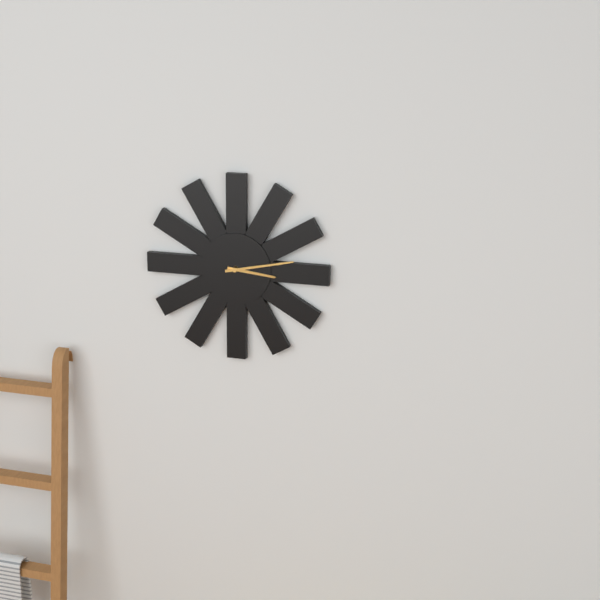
3:13
